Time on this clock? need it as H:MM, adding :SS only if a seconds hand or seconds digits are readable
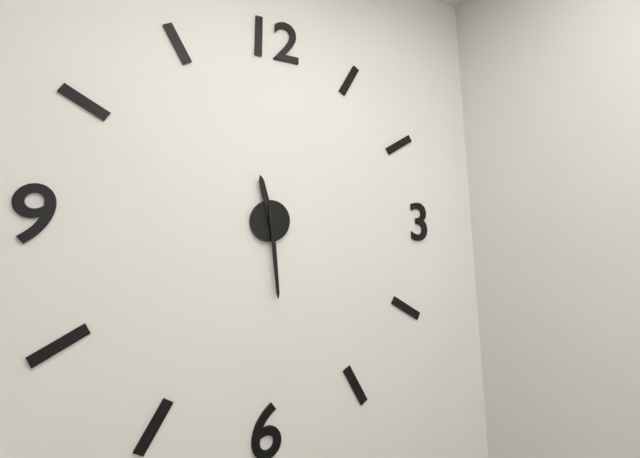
11:29
